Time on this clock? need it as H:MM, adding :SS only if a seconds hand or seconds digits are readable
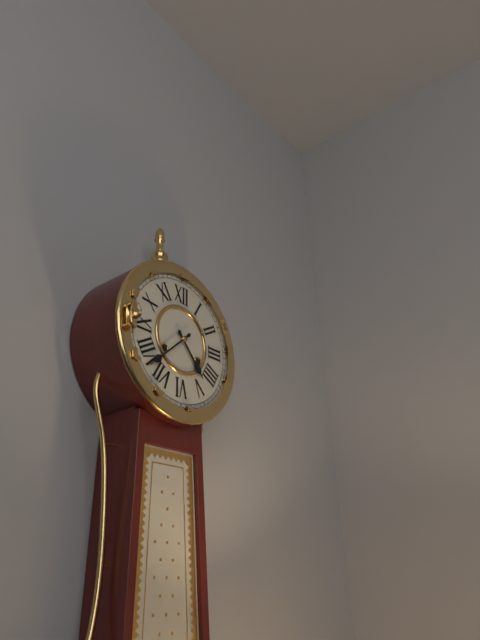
4:38
